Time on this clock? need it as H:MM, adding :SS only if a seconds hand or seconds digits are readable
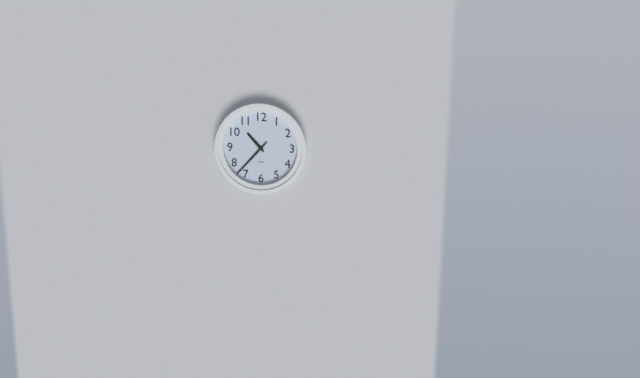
10:37
